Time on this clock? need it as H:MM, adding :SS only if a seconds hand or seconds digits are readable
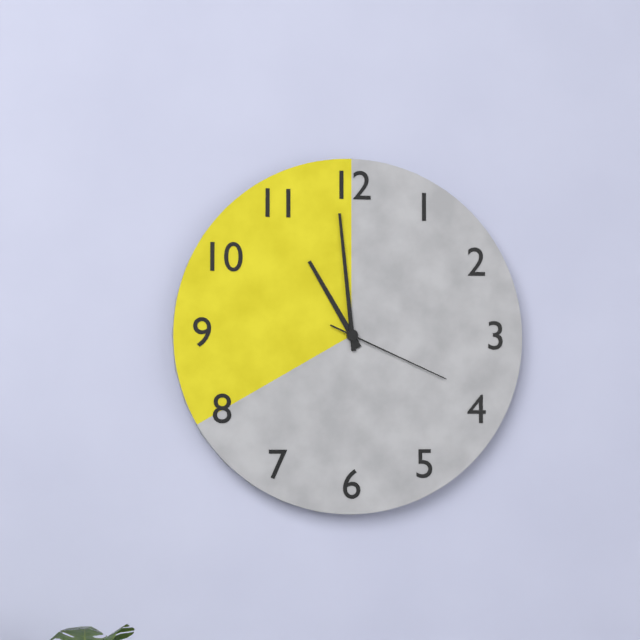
10:59:19
